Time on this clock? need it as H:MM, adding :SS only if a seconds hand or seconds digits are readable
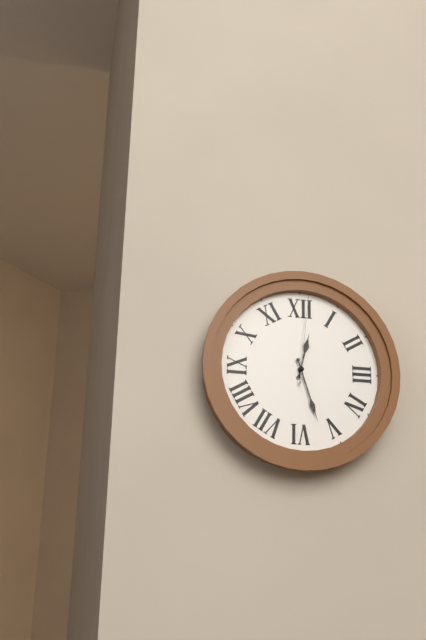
12:27:01
